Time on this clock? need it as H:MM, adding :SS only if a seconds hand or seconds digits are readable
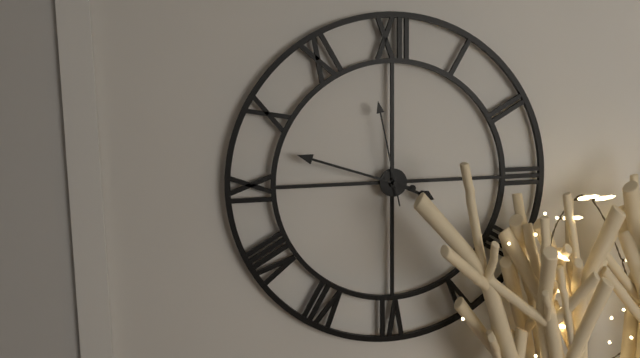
3:48:58
